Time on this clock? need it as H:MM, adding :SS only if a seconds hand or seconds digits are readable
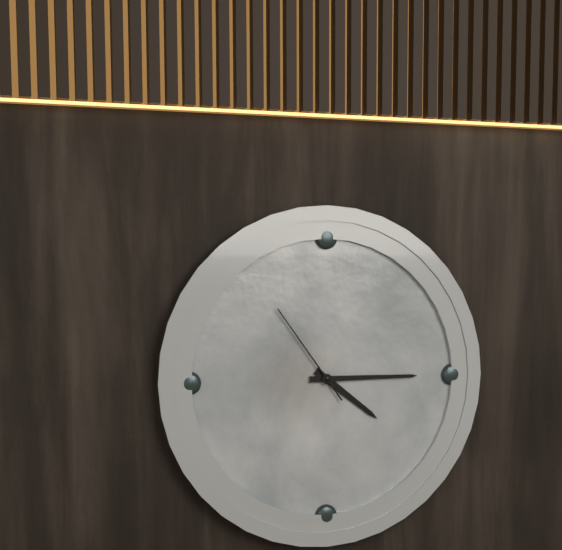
4:15:54
